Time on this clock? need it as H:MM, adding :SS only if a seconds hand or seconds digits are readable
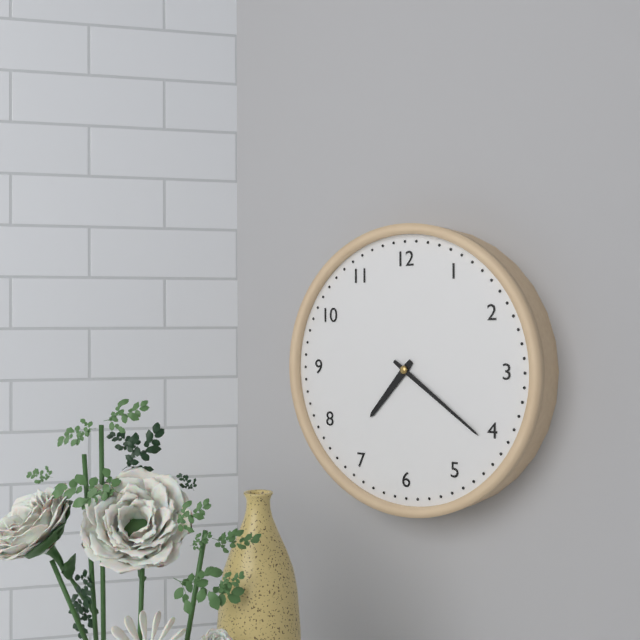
7:21
